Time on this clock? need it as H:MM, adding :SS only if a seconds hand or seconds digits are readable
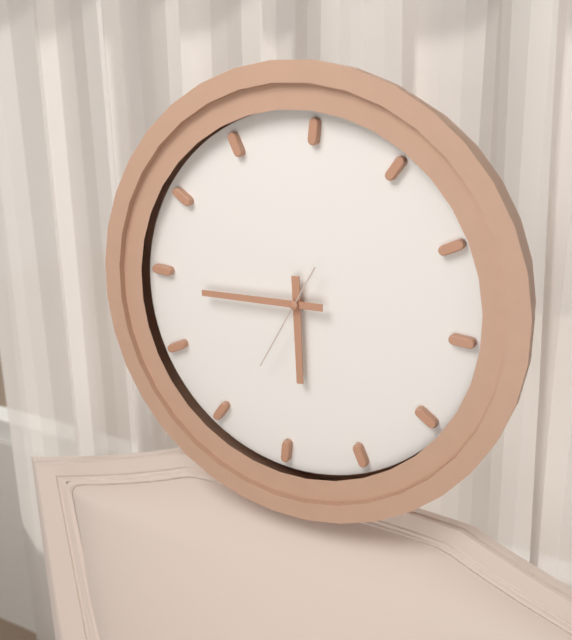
5:44:34
